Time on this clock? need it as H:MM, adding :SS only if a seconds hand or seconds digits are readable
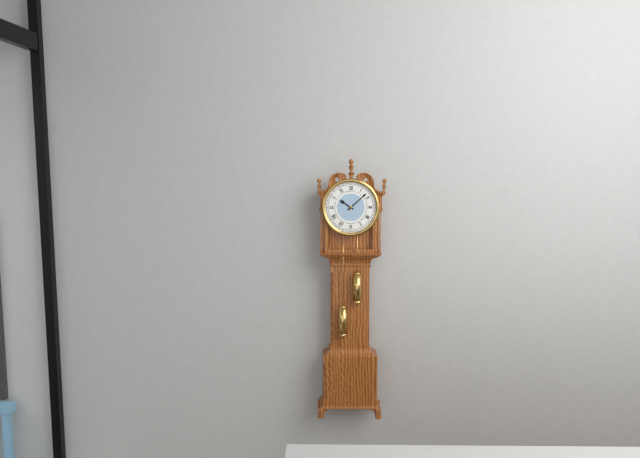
10:08
